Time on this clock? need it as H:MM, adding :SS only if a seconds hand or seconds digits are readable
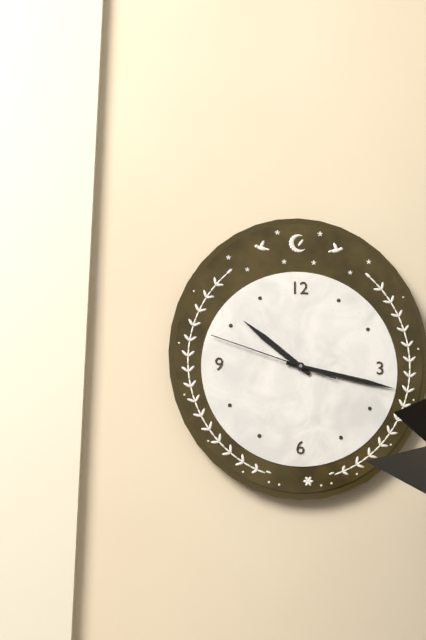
10:17:48
